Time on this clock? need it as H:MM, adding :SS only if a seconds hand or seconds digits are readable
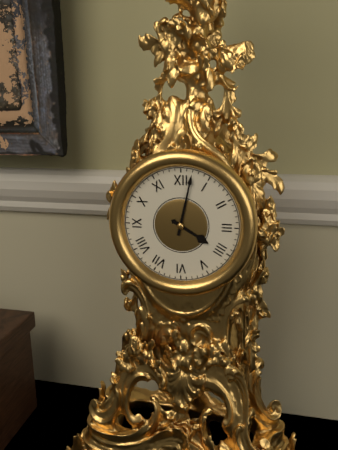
4:02
